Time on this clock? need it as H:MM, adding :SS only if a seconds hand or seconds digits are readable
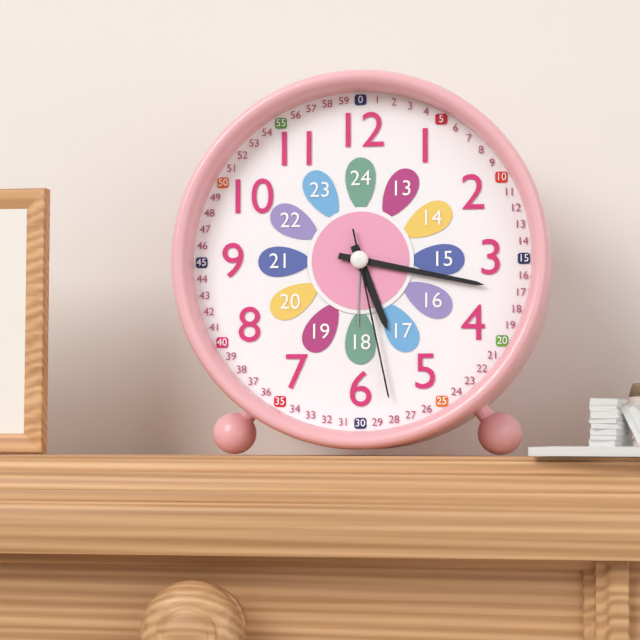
5:17:28
